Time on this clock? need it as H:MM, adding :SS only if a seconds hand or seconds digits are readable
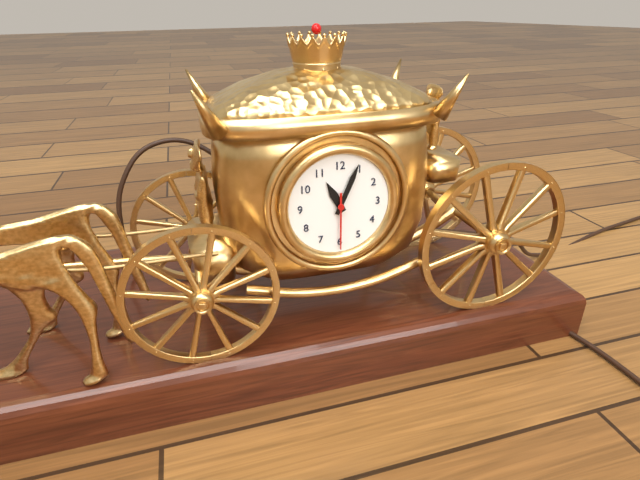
11:04:30
